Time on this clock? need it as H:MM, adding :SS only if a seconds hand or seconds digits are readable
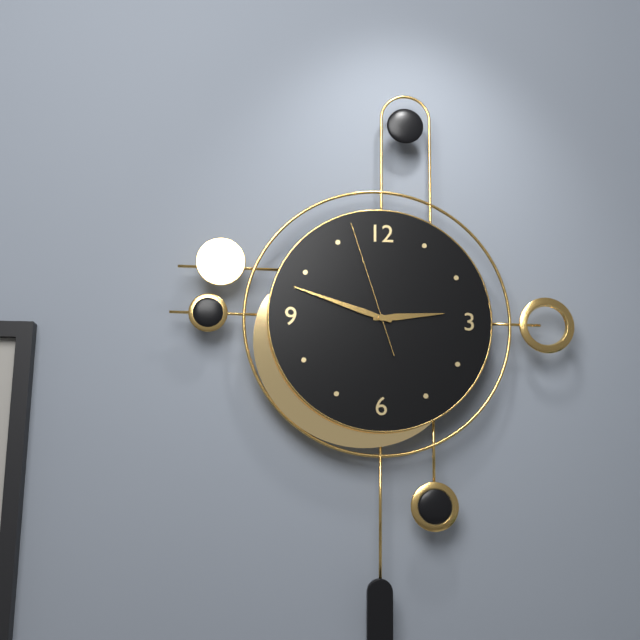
2:48:57
